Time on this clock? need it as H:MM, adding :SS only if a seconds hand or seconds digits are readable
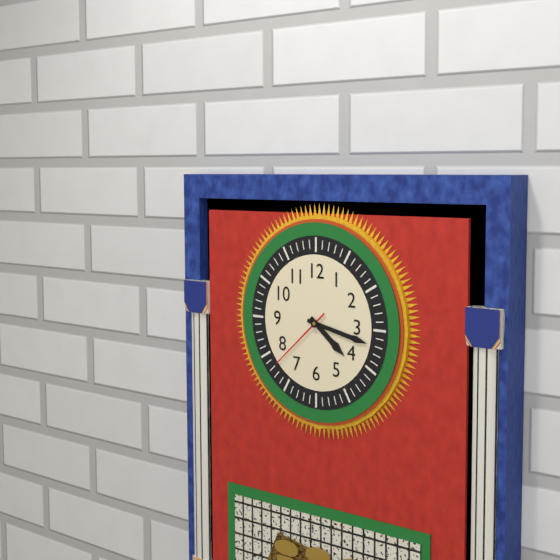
4:17:38
